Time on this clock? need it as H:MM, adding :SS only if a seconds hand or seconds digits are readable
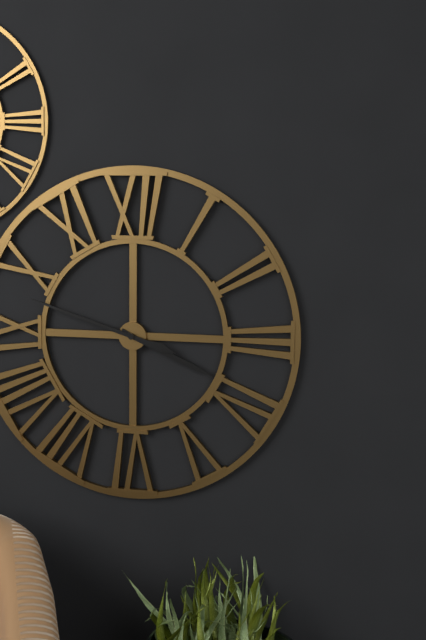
3:48
